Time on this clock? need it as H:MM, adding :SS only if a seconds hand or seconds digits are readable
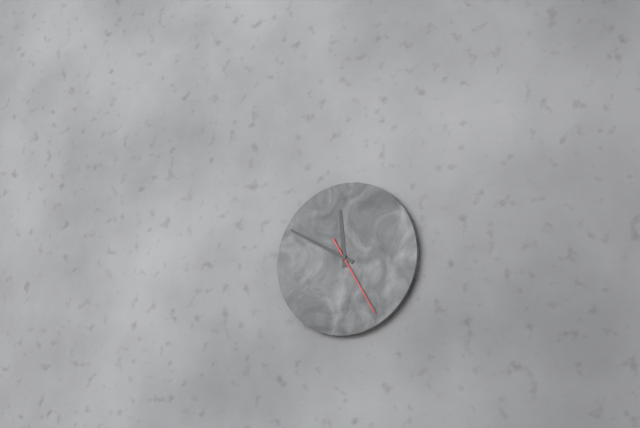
11:50:25
